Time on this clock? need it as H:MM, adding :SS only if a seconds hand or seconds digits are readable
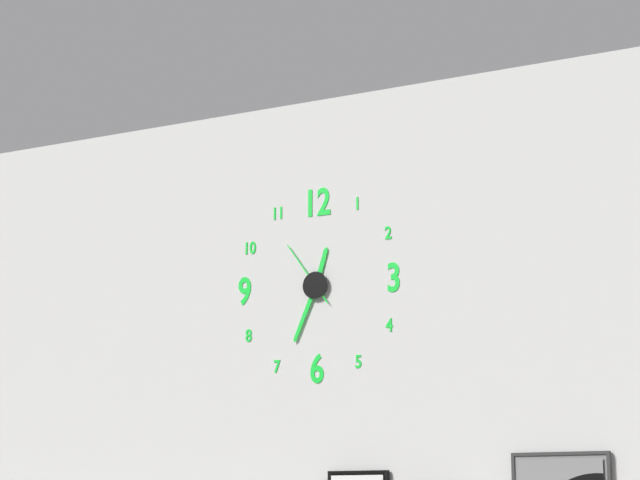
12:34:54
